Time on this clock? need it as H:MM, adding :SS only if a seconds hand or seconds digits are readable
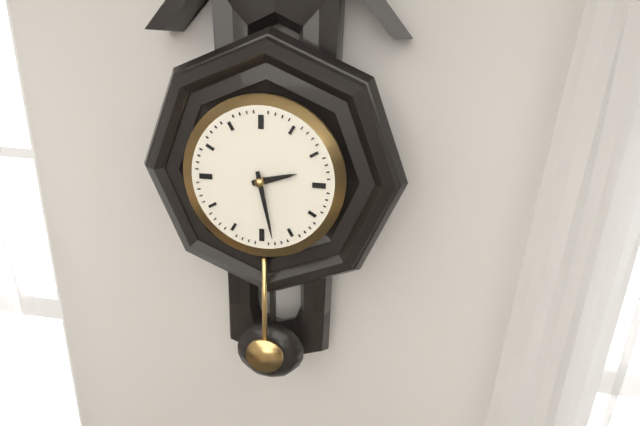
2:28
